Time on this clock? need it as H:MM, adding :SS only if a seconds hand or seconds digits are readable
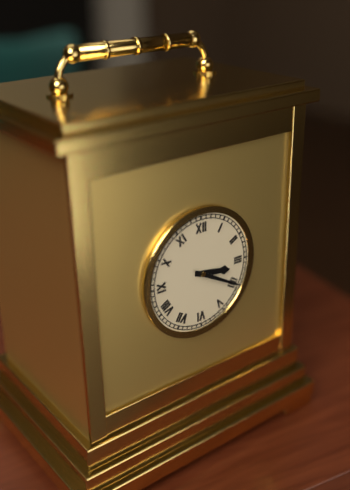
3:20
